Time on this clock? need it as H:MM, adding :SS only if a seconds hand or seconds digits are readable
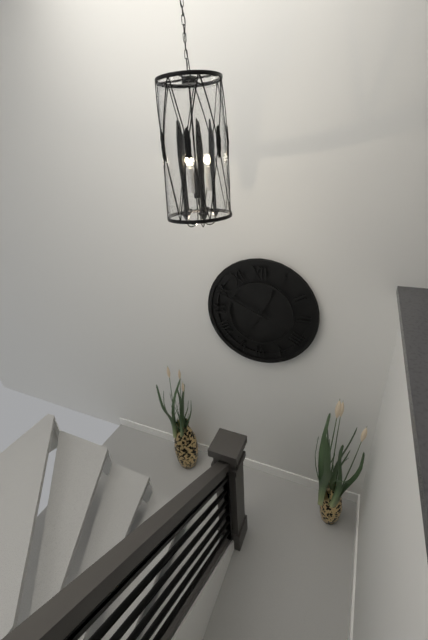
12:49:35
